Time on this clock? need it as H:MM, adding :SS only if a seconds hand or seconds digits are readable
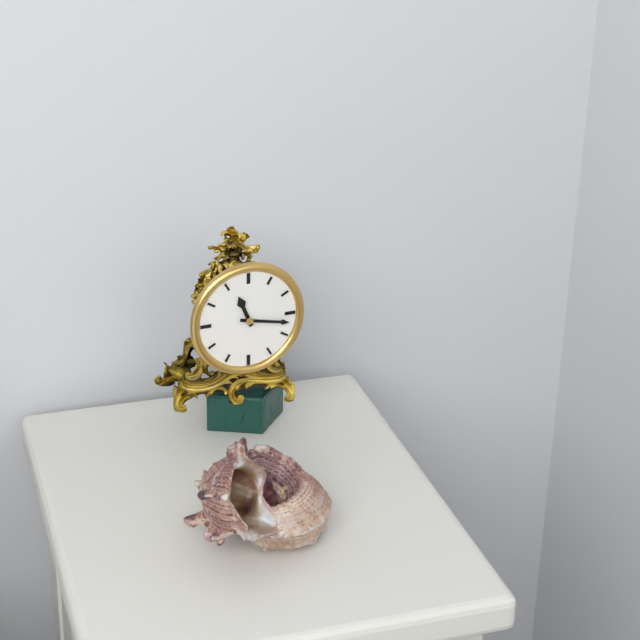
11:17
